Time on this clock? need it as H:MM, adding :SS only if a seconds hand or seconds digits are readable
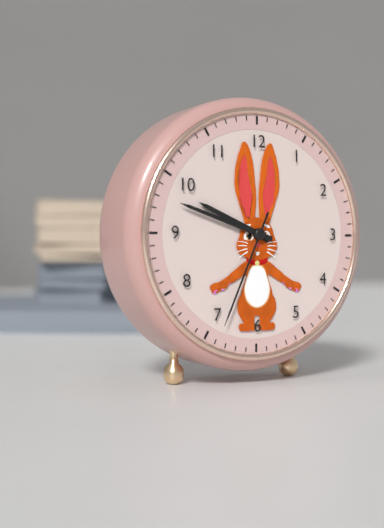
9:48:34
